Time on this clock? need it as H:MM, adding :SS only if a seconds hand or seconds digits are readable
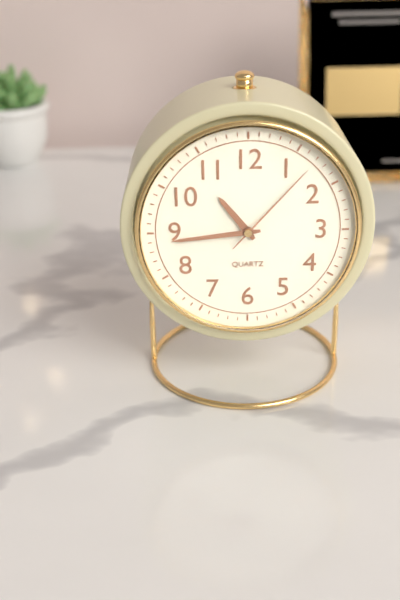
10:44:07
